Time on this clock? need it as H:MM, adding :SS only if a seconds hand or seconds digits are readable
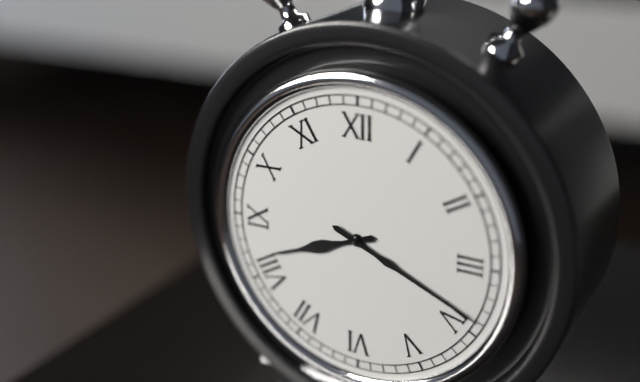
8:19
